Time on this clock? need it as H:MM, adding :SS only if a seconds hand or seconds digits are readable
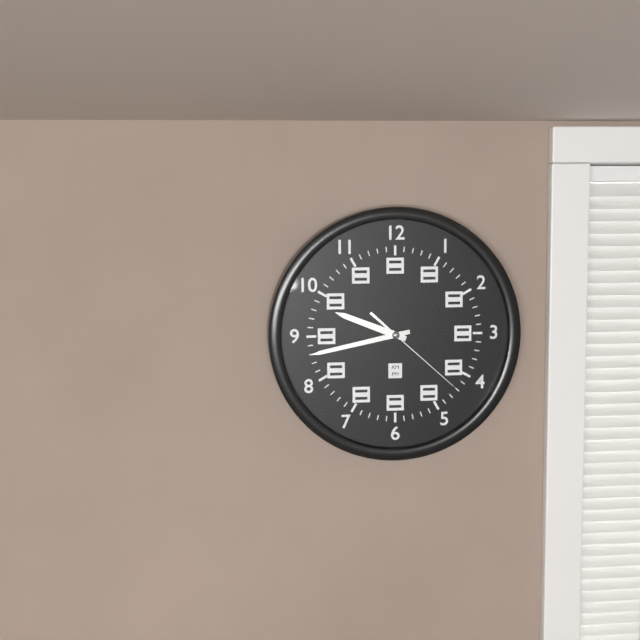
9:43:22
